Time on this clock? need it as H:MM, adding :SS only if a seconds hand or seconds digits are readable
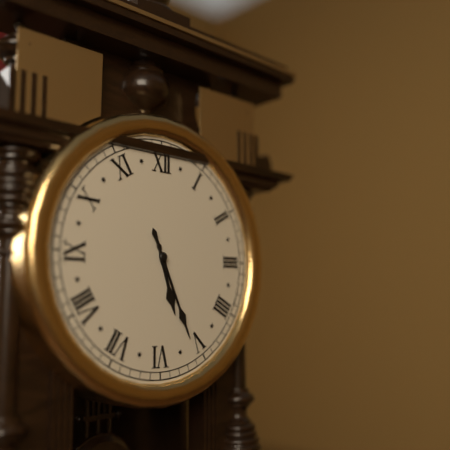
5:26
